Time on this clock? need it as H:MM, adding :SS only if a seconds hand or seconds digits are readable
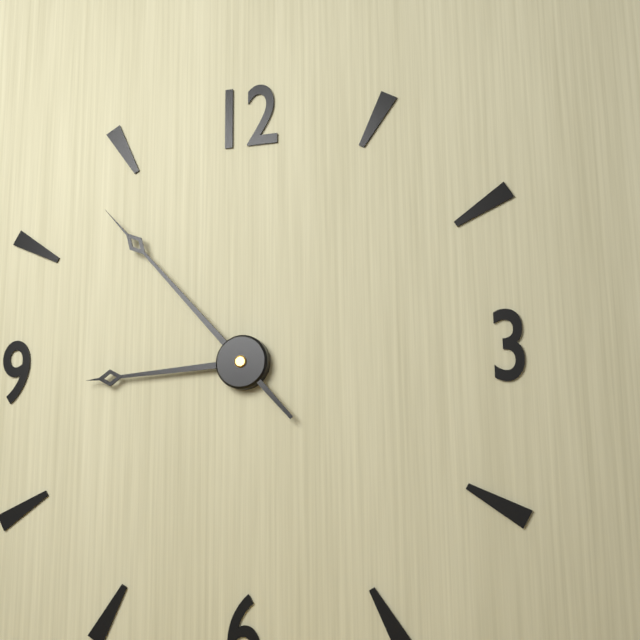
8:53
